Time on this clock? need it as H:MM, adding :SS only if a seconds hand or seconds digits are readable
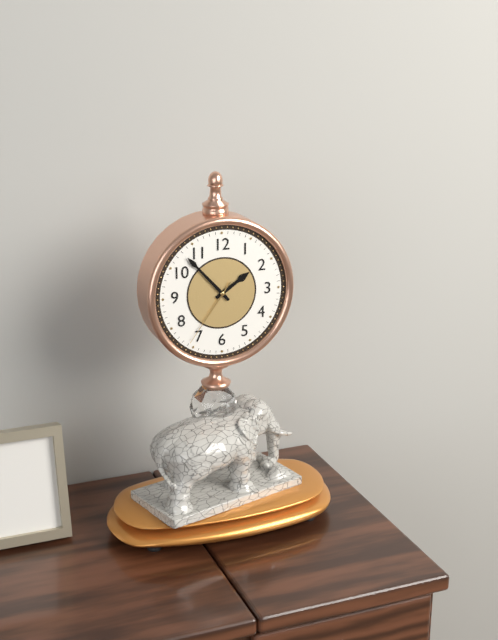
1:53:36
